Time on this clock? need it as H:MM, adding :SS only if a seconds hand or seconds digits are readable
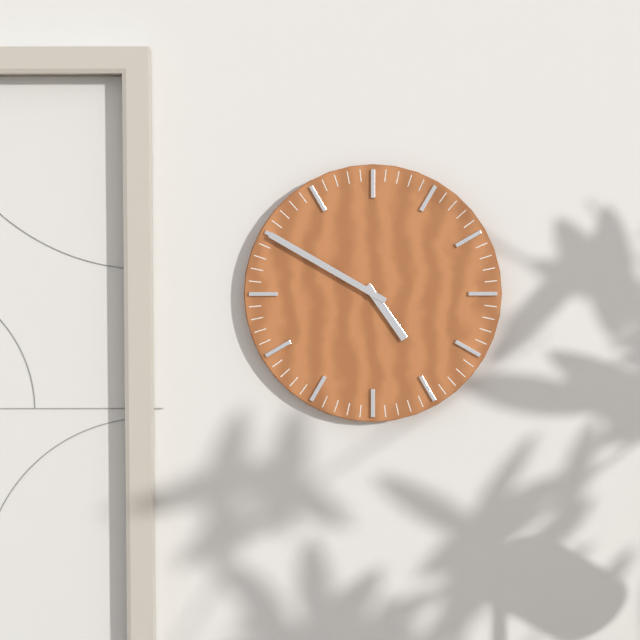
4:50
